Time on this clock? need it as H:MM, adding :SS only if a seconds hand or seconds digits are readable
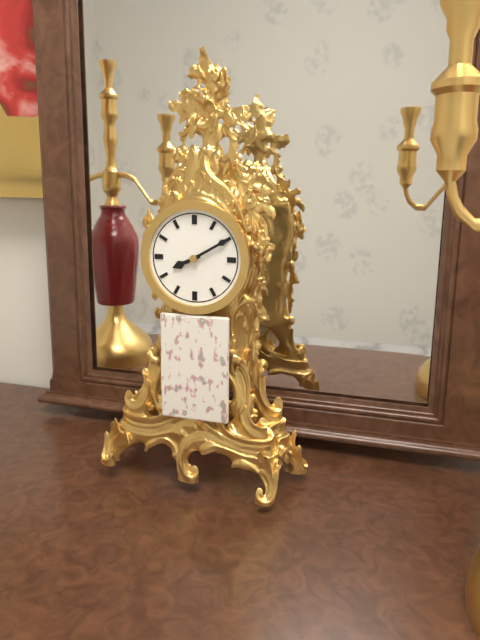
8:10
